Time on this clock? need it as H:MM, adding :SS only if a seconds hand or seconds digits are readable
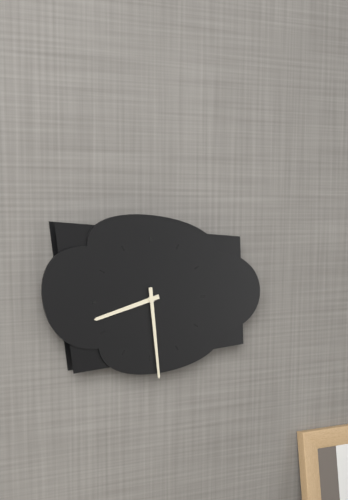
8:29
